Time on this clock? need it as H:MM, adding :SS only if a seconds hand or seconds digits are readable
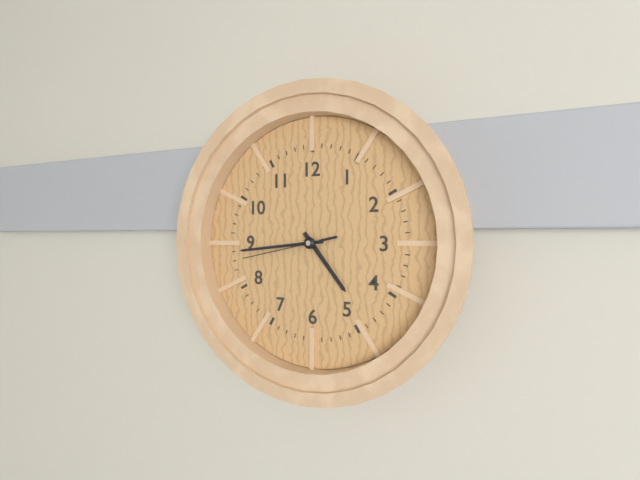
4:44:43
